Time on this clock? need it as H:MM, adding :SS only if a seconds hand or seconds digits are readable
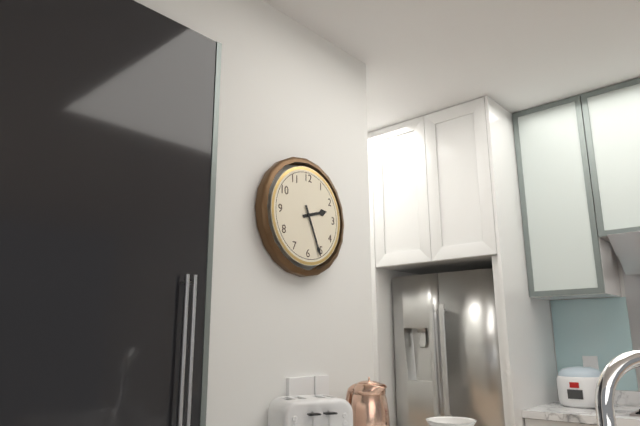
2:26
